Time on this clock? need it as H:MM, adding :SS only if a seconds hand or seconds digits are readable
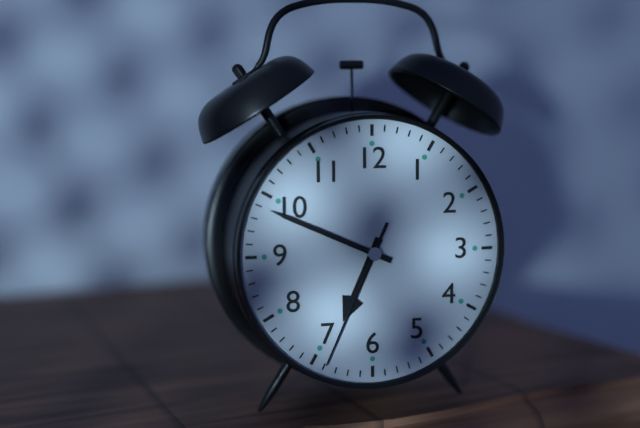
6:49:34
